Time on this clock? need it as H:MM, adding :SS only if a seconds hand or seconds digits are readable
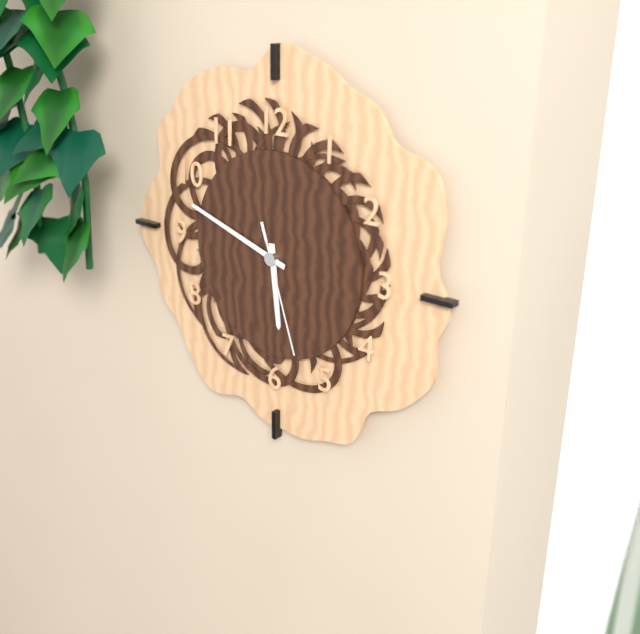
5:48:27
